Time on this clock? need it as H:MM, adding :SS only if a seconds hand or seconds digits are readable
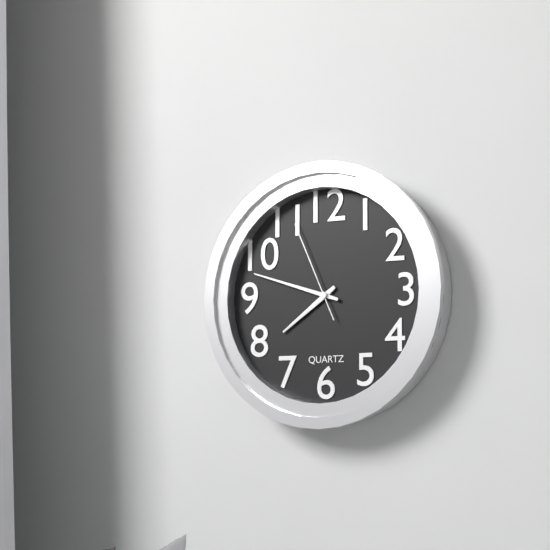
7:48:56
